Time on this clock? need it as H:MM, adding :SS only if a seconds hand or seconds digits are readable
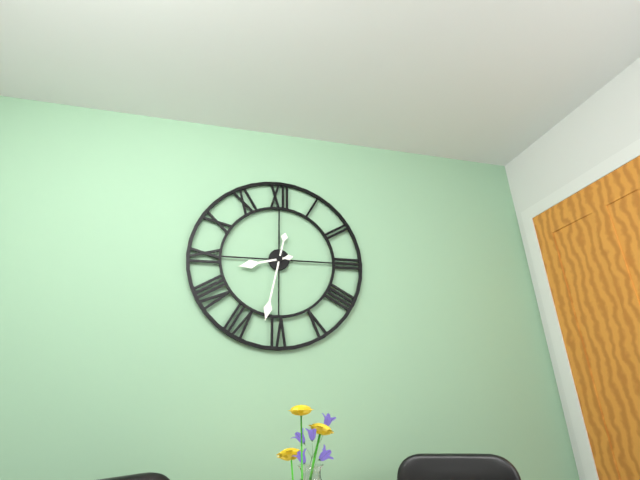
8:32
